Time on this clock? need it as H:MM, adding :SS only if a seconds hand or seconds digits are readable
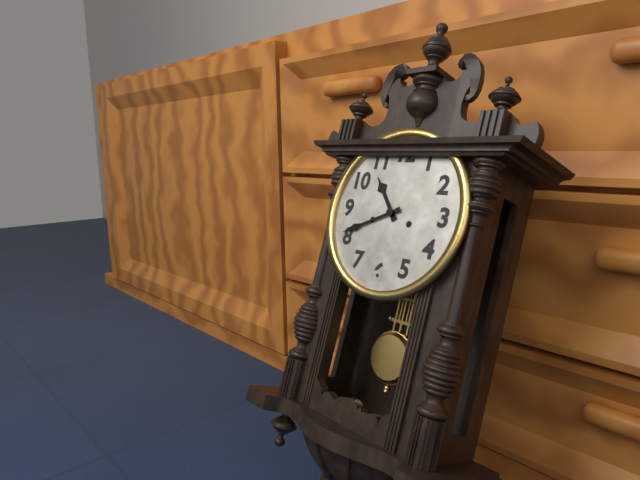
10:41
